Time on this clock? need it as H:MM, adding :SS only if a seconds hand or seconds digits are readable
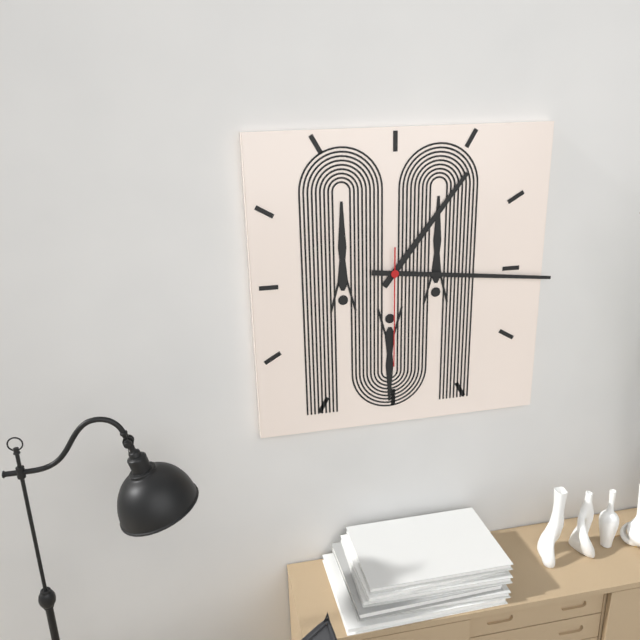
1:16:30
